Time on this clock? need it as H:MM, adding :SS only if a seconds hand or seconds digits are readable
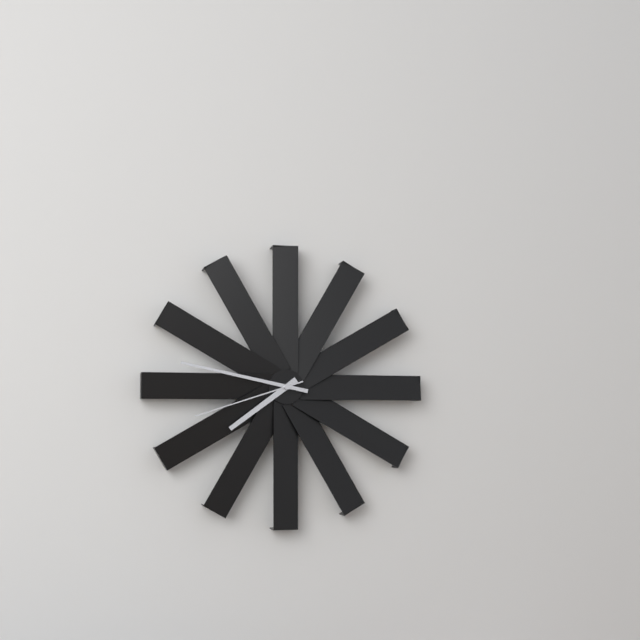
7:47:42
